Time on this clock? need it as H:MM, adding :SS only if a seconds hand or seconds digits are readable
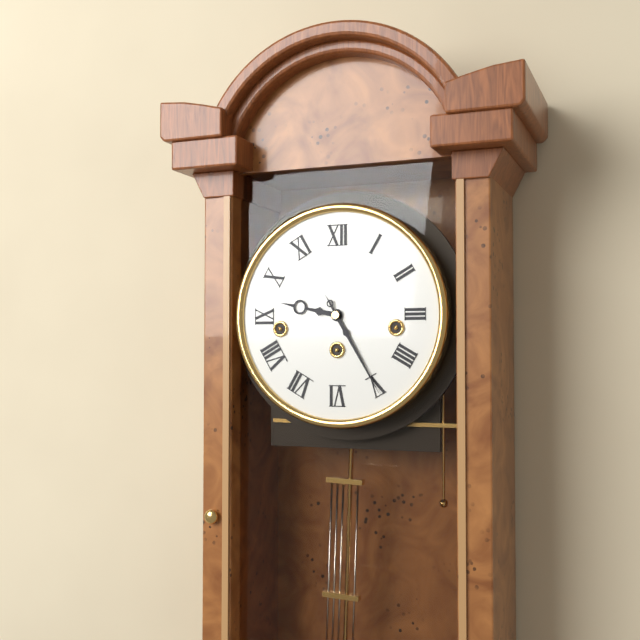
9:25
